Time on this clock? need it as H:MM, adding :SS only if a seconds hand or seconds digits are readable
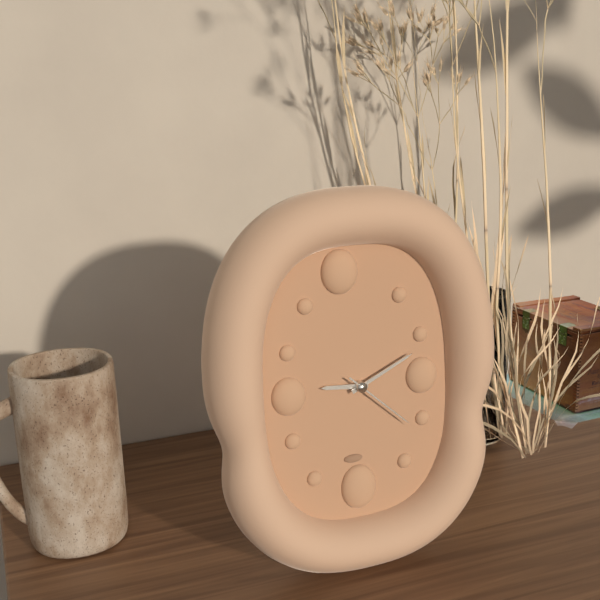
9:11:22
